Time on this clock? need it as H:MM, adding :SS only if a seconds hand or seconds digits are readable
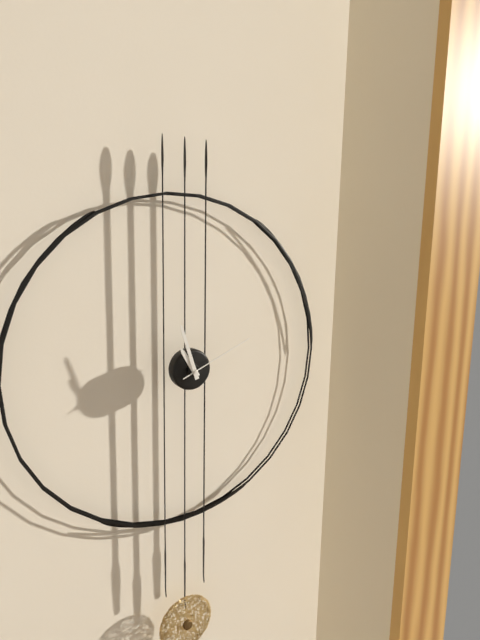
10:57:11
